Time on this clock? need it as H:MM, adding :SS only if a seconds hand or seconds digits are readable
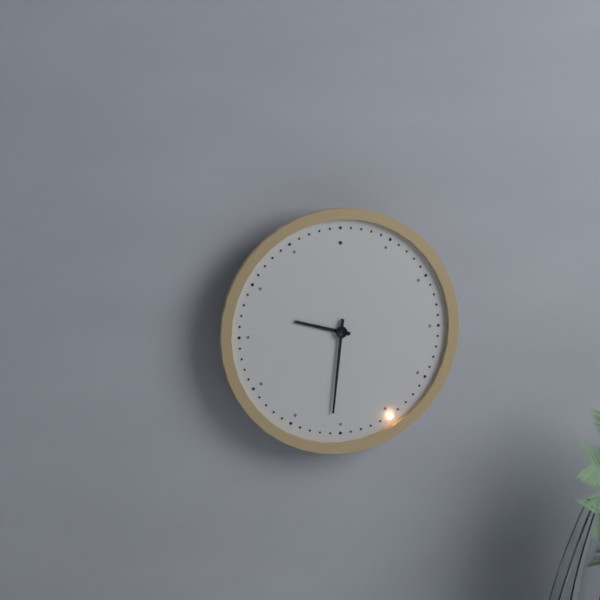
9:31
